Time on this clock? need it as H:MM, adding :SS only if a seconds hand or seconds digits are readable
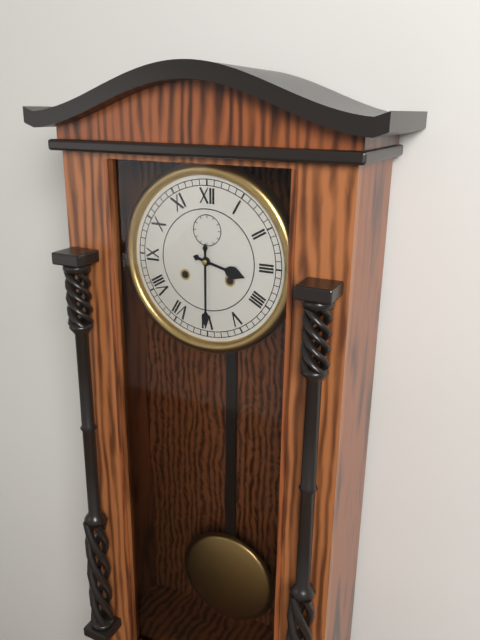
3:30
